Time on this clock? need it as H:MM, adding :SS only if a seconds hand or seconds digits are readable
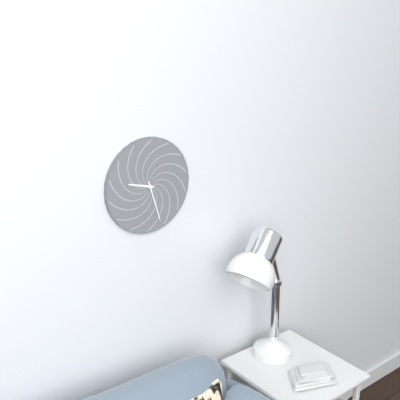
9:27
